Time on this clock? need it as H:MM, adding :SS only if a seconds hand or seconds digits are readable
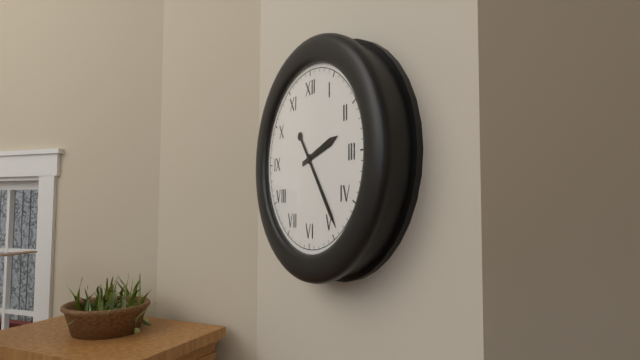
2:24
